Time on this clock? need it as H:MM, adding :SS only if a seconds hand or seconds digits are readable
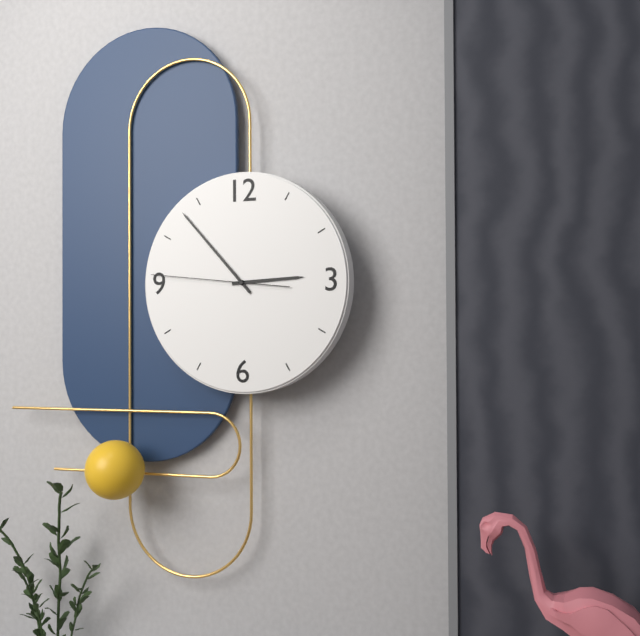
2:53:46
